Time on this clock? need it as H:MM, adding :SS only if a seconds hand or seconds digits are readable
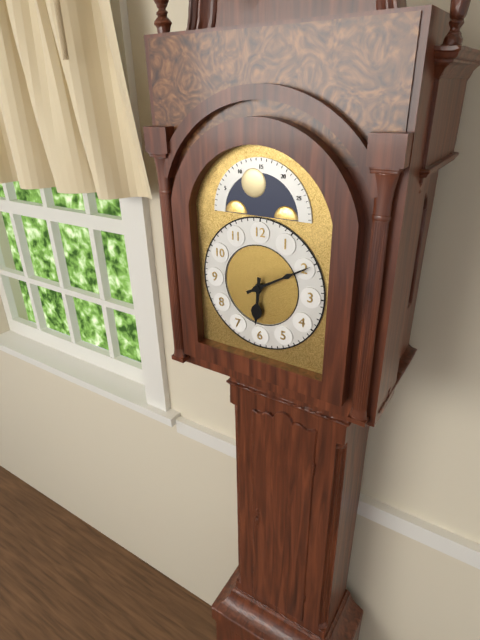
6:10
